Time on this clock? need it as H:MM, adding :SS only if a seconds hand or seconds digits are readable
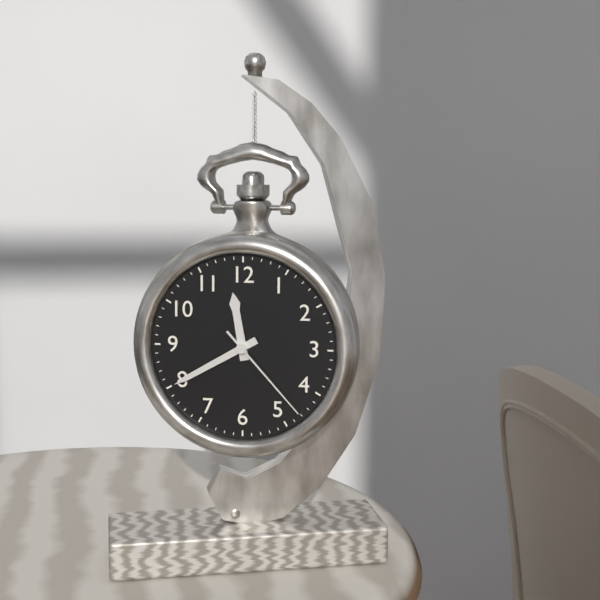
11:40:23
